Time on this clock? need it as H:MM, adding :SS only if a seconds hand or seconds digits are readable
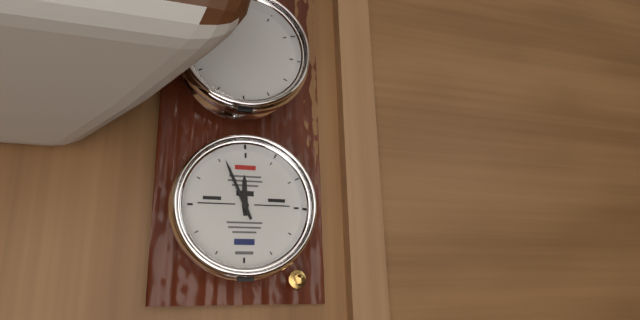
11:56
